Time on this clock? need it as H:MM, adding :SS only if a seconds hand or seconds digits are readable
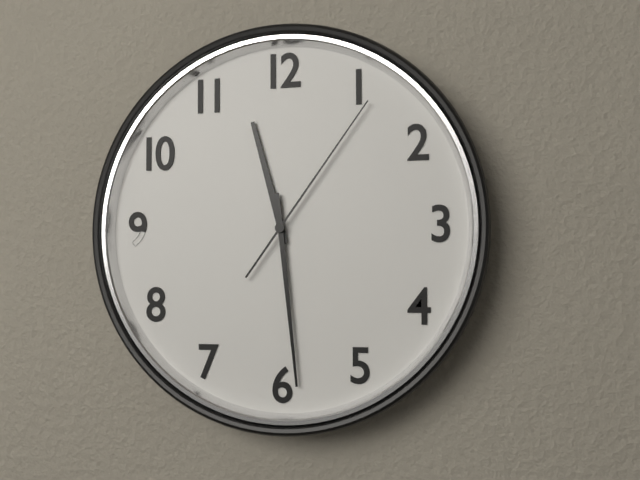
11:29:06
